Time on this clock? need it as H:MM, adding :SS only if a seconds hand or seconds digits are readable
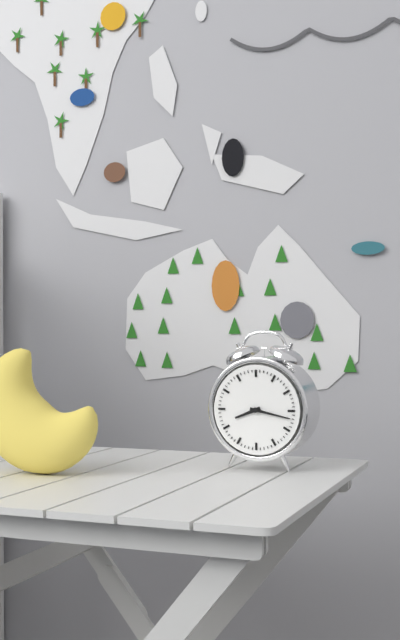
8:17
